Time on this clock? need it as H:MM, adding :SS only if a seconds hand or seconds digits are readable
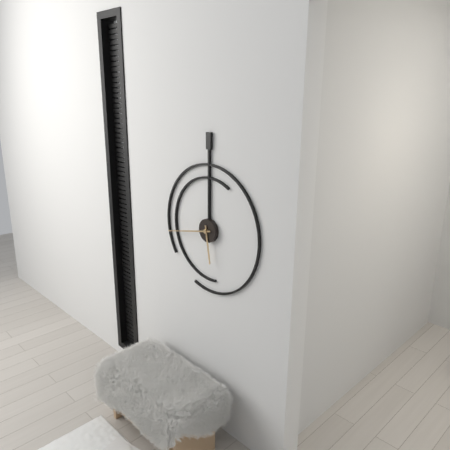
5:43
